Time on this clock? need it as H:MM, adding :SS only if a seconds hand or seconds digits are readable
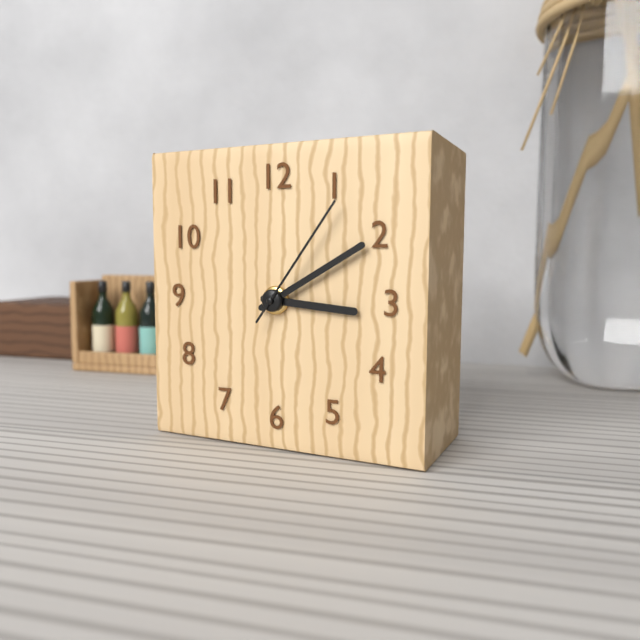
3:10:06
